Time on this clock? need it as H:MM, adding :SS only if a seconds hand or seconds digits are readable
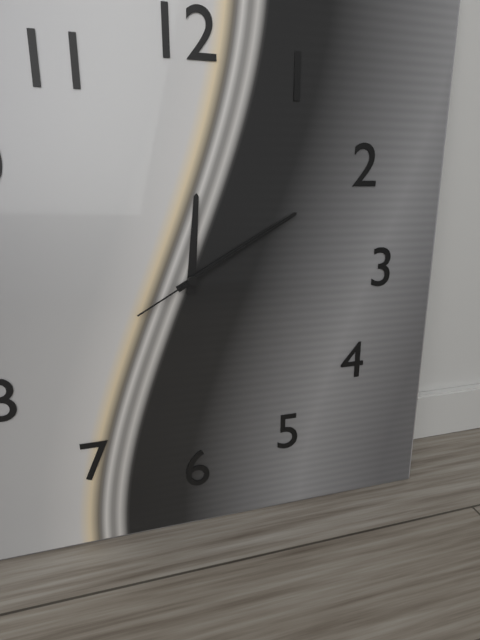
12:10:10
